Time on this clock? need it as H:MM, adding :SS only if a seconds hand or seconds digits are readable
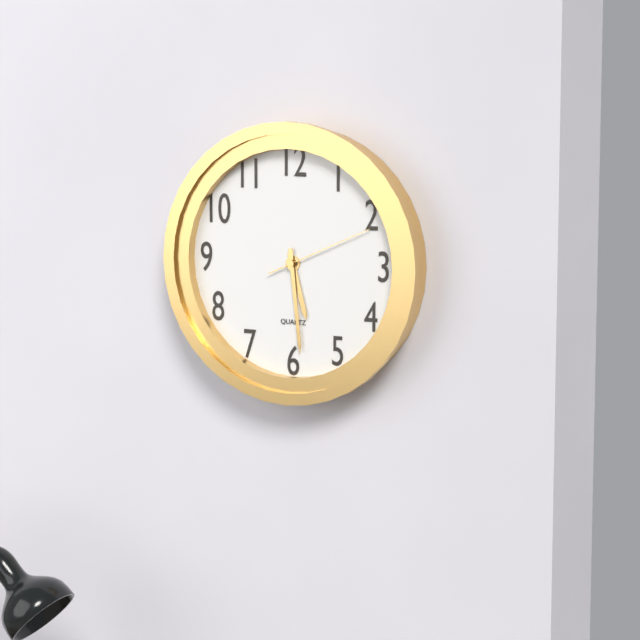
5:29:11
